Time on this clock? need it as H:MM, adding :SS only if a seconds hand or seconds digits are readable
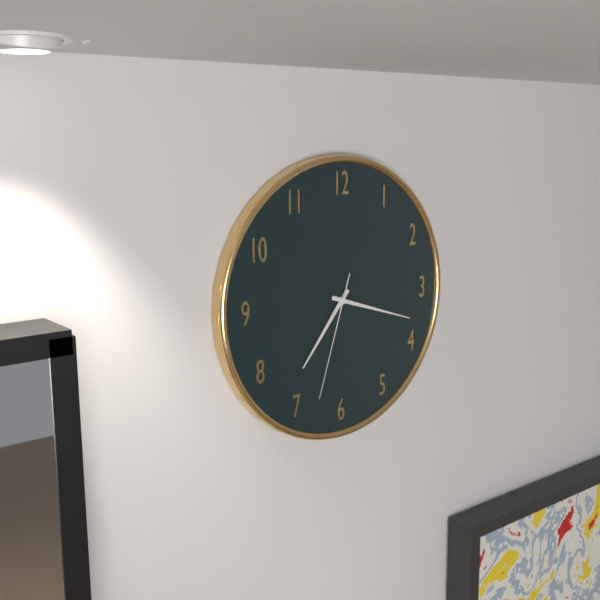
7:18:33
